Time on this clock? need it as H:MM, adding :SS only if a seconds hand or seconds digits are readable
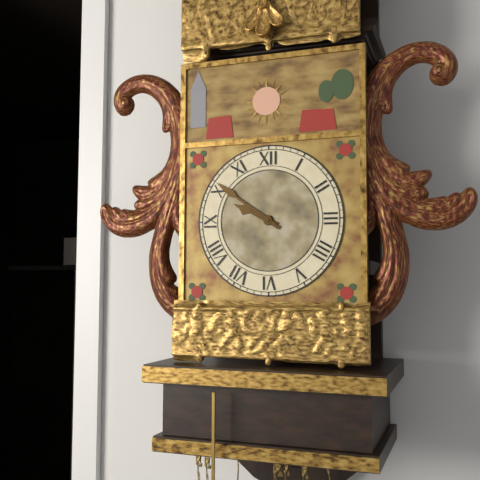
9:51
